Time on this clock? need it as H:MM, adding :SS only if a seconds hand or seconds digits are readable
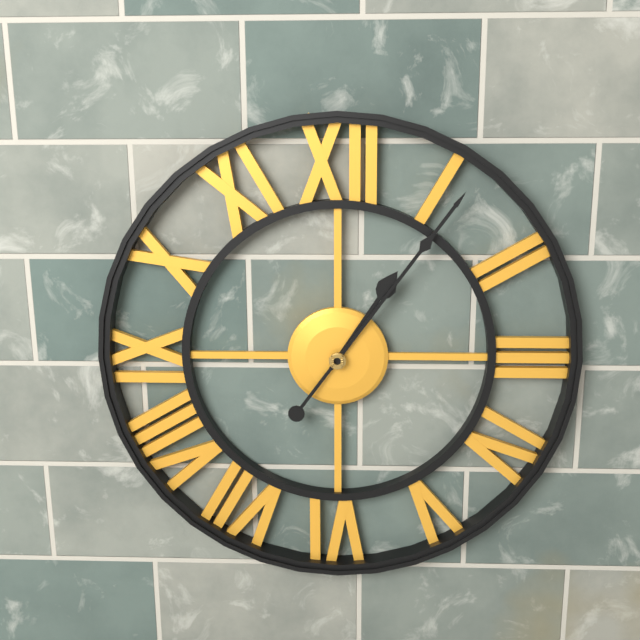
1:06
